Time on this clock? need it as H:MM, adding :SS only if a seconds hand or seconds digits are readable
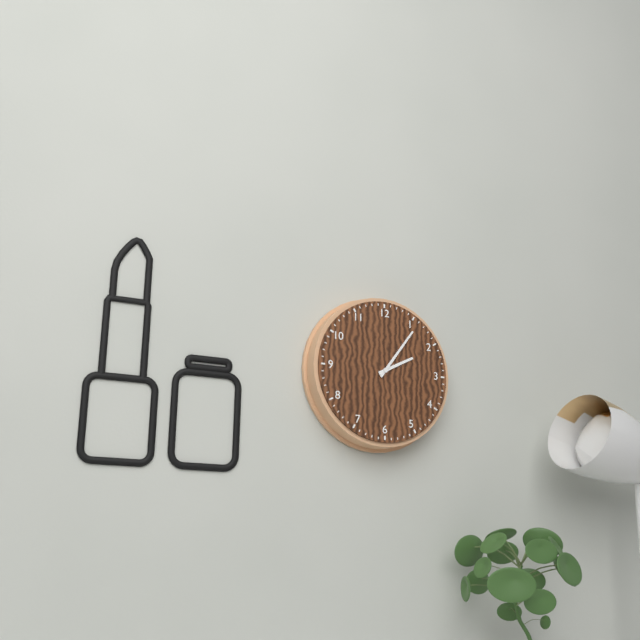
2:06
